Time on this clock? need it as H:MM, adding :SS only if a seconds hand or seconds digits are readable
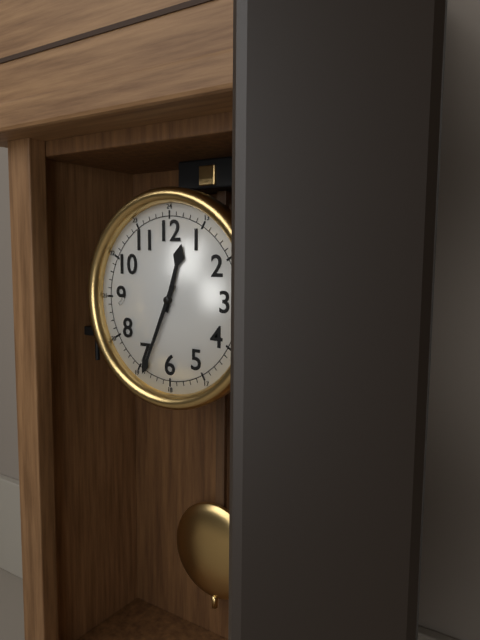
12:34
